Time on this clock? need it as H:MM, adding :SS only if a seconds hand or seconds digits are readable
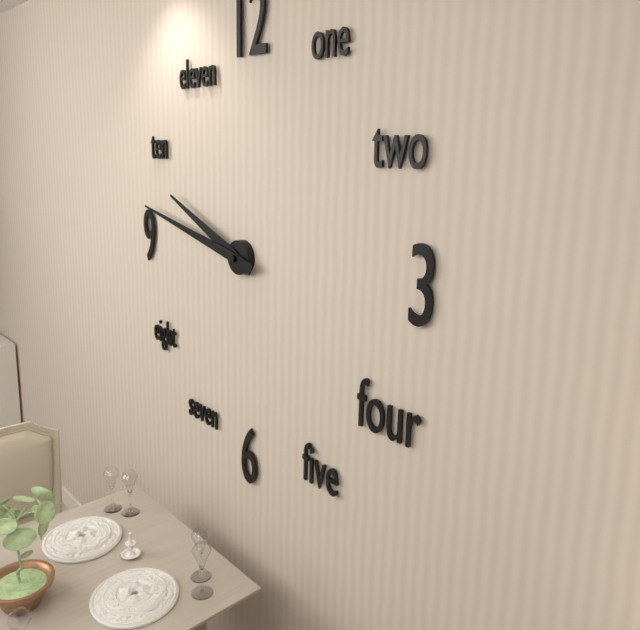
9:47
